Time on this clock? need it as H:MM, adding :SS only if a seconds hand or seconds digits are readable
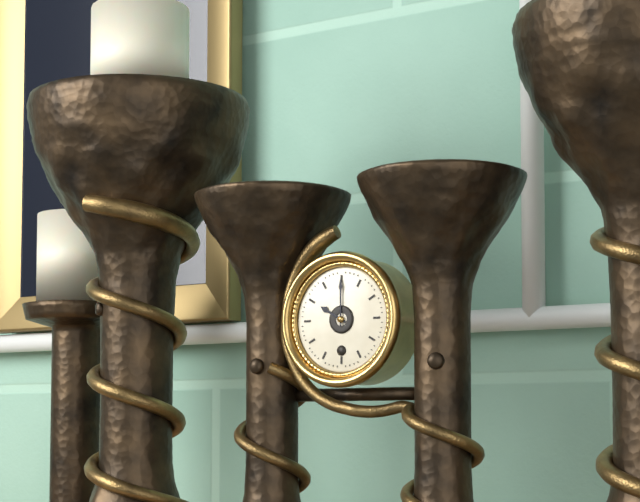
10:00
